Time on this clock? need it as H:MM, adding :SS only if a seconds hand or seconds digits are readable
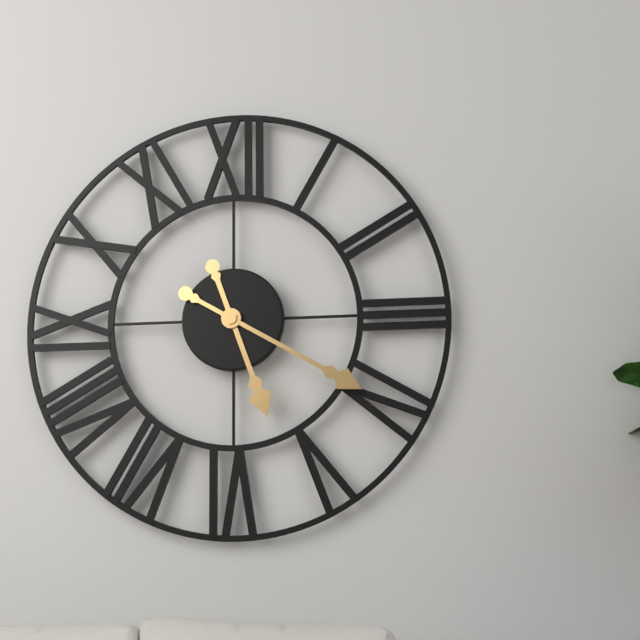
5:20
